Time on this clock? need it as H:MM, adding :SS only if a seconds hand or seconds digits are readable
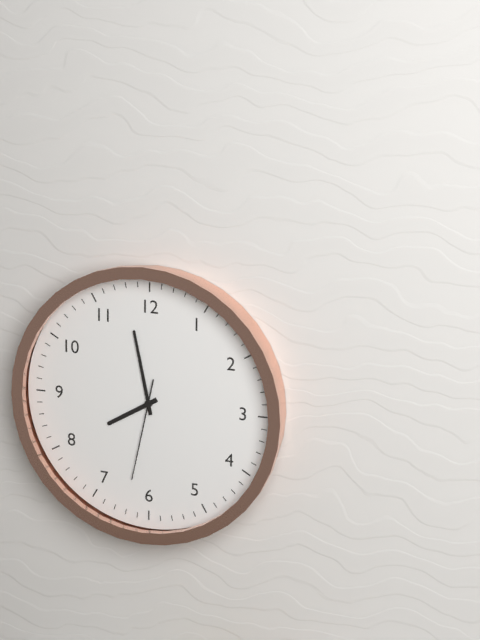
7:58:32
